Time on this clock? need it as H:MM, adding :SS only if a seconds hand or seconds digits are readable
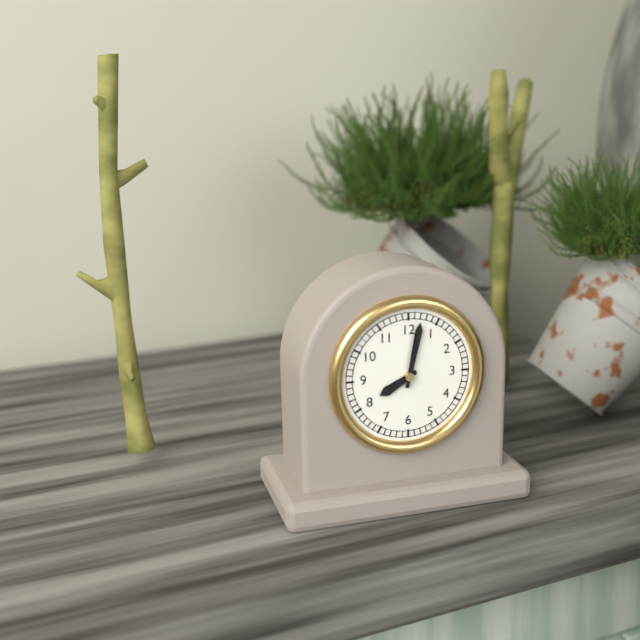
8:02
